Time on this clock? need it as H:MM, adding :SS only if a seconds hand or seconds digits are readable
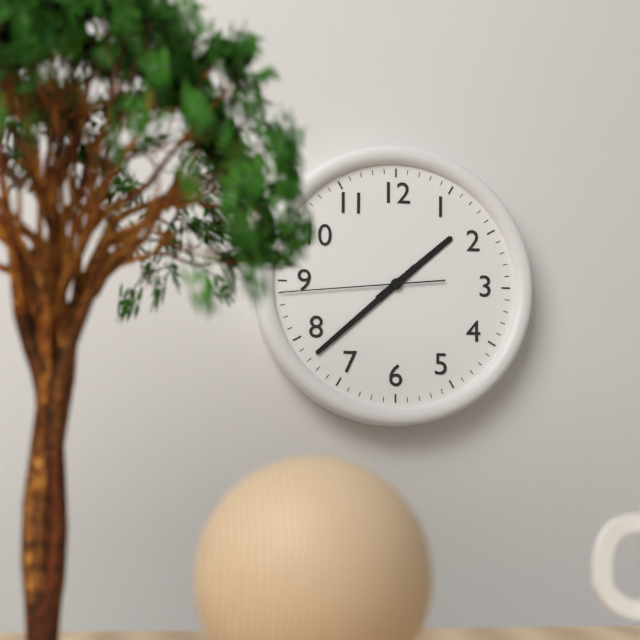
1:38:44
